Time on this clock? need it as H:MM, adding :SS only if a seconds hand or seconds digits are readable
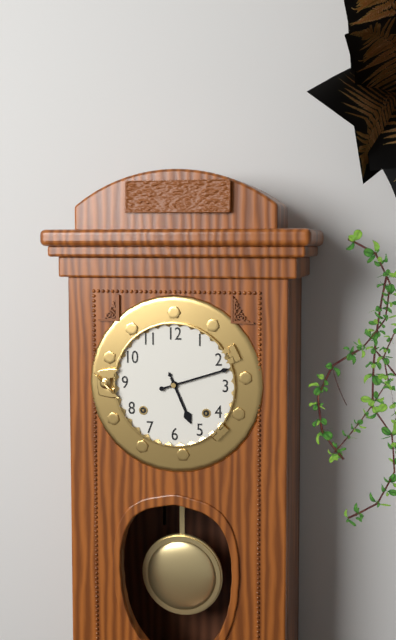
5:12
